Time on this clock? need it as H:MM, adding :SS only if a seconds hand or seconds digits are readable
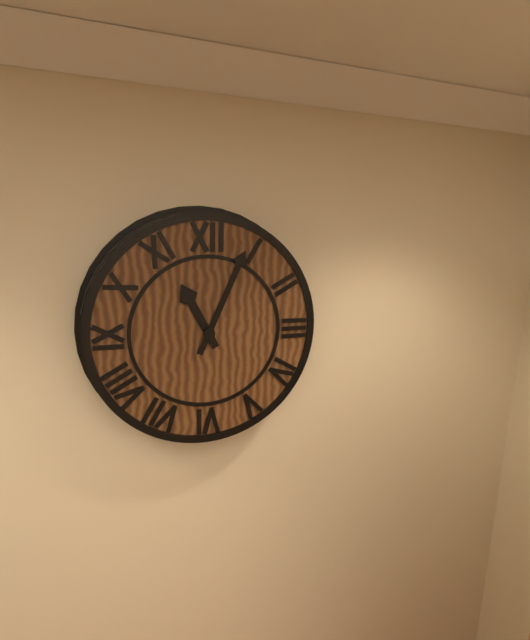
11:04
